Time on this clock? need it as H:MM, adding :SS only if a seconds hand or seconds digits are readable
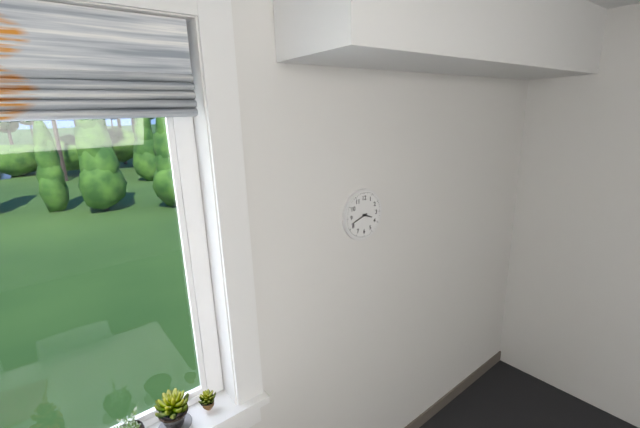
3:42
